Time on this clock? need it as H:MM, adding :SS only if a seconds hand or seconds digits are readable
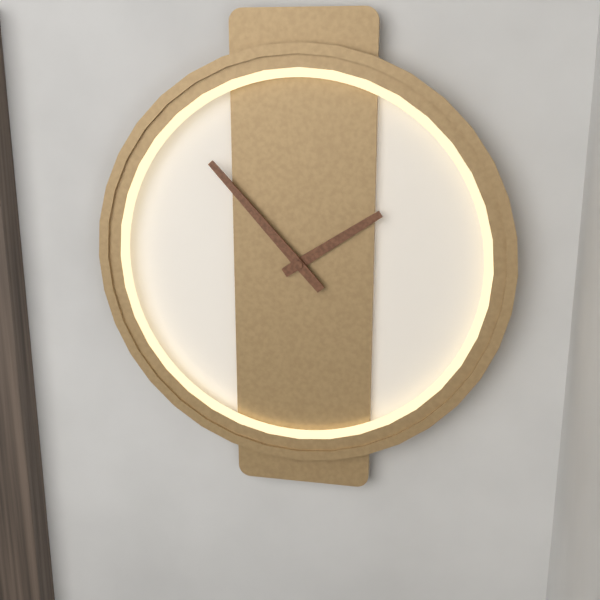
1:53
